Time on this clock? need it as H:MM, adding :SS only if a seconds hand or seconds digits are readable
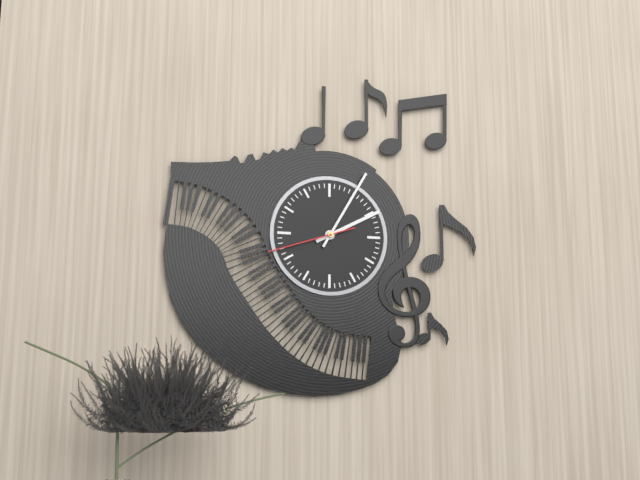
2:05:42
